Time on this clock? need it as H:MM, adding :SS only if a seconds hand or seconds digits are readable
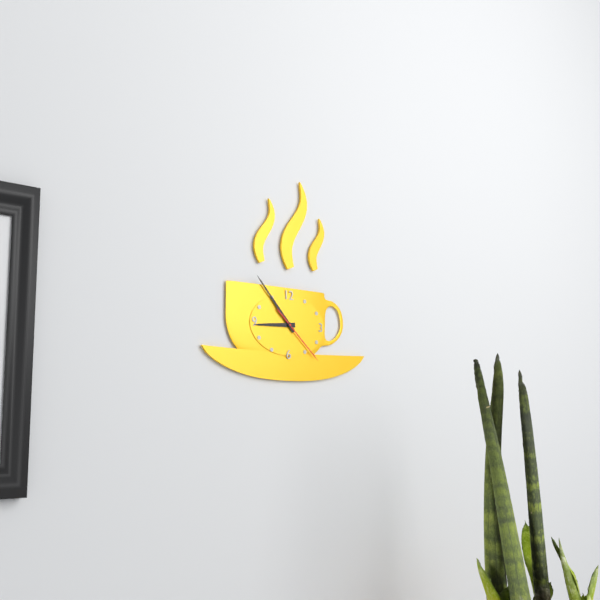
8:53:22
